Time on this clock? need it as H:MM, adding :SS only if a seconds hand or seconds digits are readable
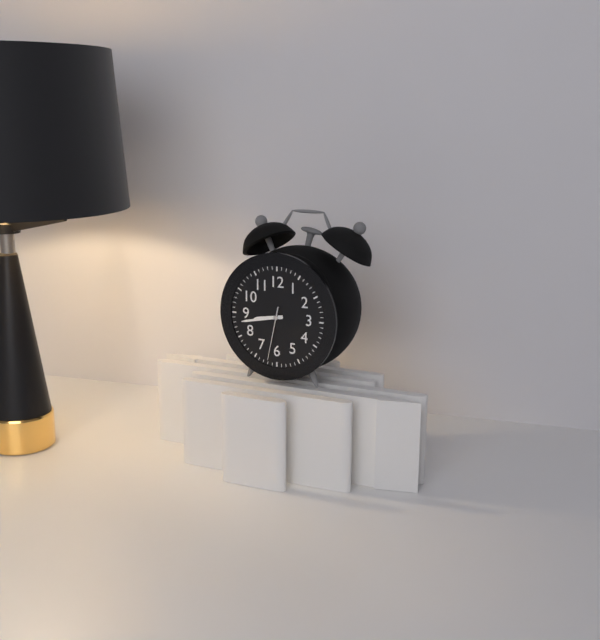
8:43:32
